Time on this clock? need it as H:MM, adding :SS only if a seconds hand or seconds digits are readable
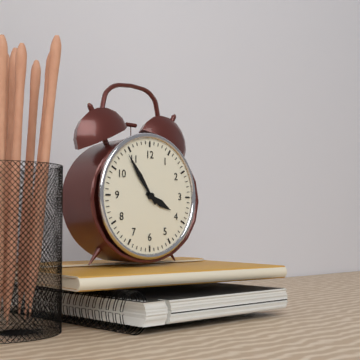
3:54
